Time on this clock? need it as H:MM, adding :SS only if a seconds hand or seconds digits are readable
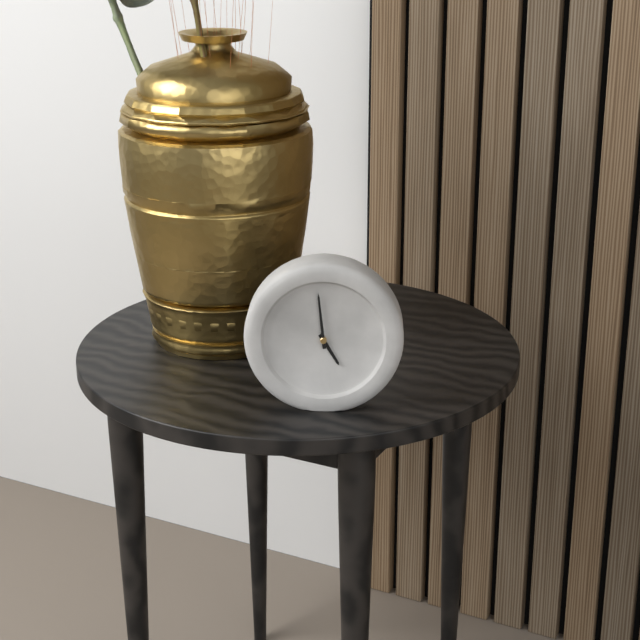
4:59
